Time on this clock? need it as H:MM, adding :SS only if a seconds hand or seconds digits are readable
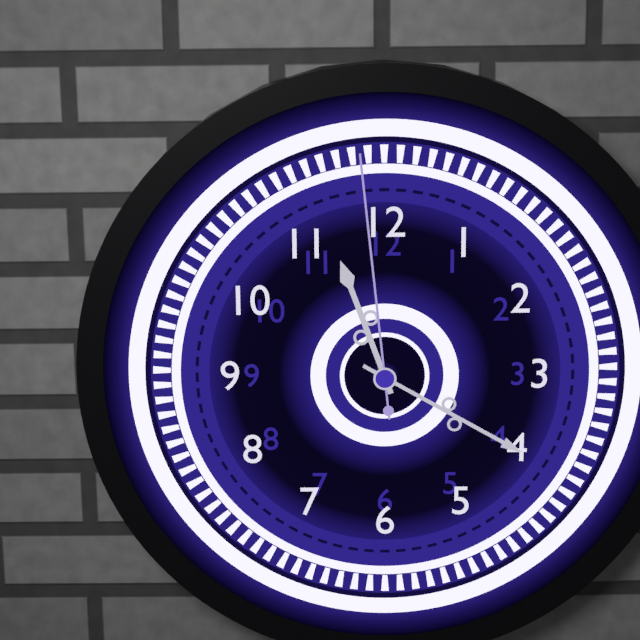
11:20:59
